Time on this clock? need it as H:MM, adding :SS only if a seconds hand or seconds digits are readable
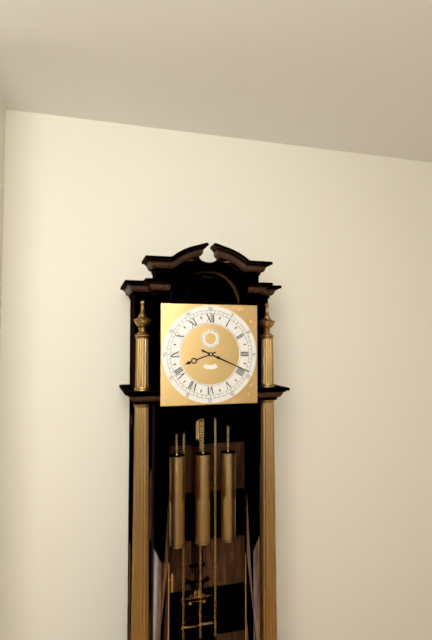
8:19
